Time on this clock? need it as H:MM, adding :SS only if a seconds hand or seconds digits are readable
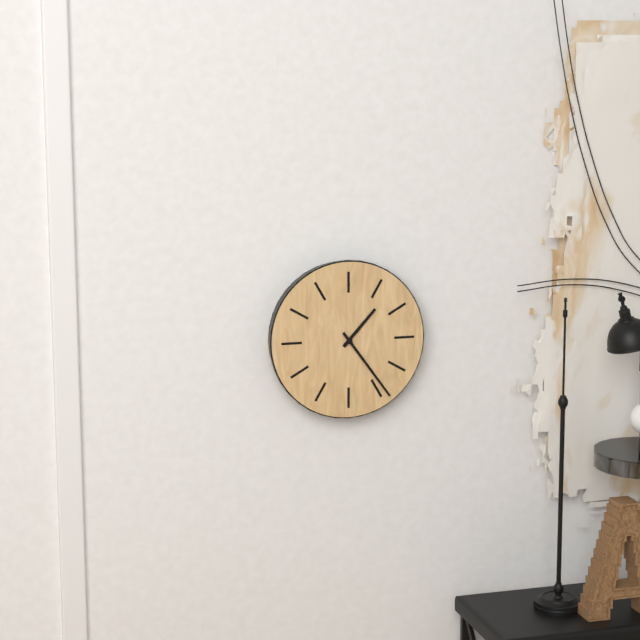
1:24
